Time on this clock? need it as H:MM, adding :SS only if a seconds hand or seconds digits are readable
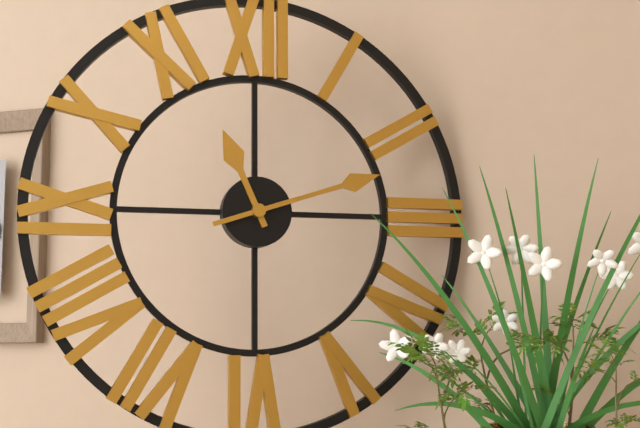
11:12
